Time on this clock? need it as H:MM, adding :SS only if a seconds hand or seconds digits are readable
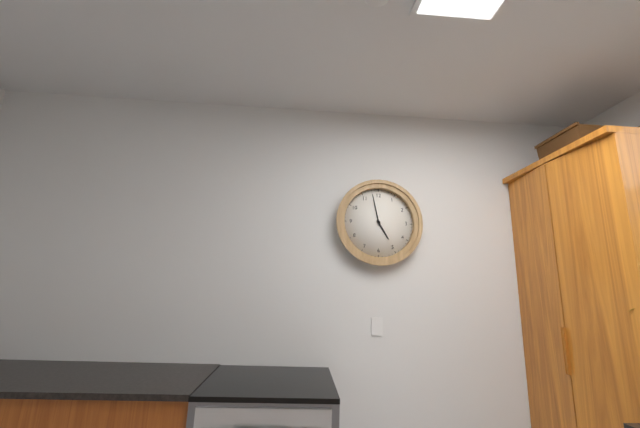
4:58
